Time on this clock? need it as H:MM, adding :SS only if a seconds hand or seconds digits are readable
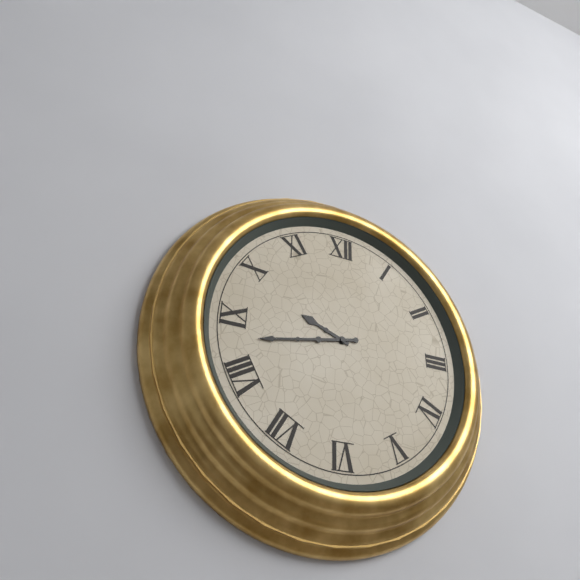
9:43
